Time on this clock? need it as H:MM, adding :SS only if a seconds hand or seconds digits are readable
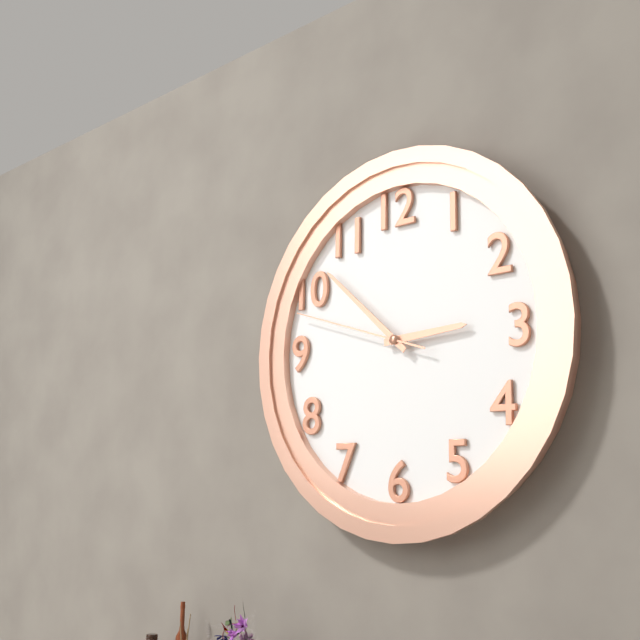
2:52:48
